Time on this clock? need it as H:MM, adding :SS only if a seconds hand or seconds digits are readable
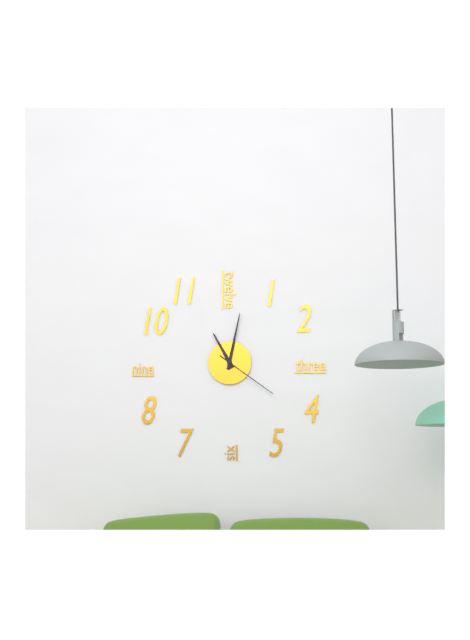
11:02:21
